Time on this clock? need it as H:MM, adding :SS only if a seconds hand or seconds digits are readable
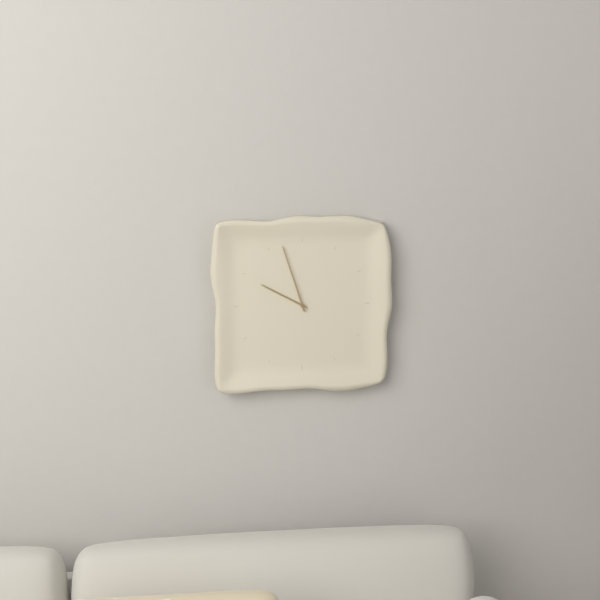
9:57
